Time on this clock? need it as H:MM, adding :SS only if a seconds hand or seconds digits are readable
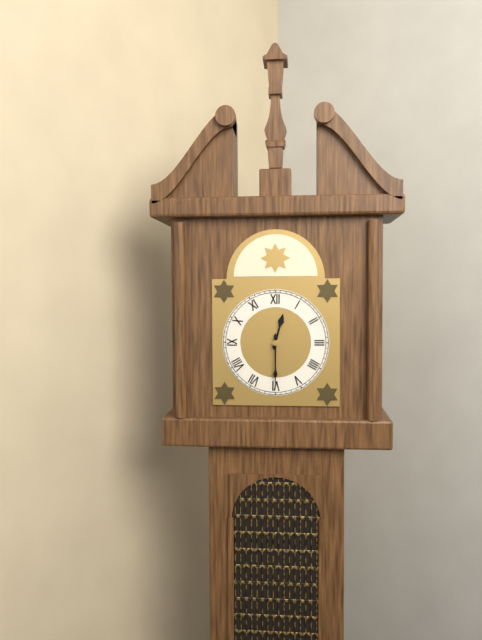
12:30
